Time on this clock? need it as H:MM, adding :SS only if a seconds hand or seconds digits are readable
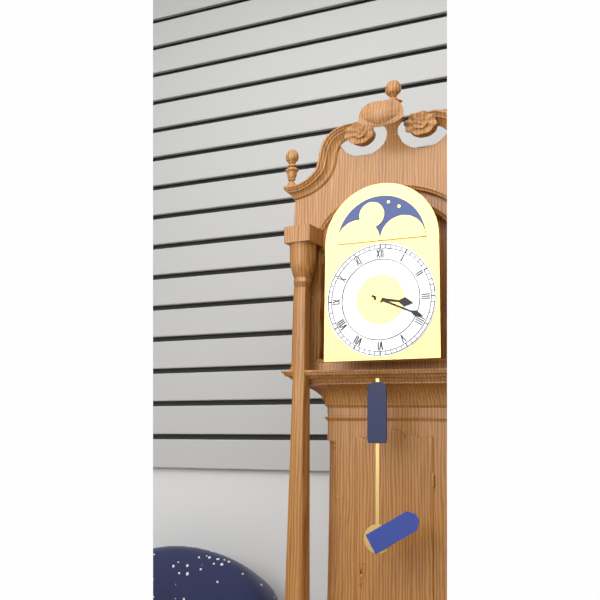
3:19
